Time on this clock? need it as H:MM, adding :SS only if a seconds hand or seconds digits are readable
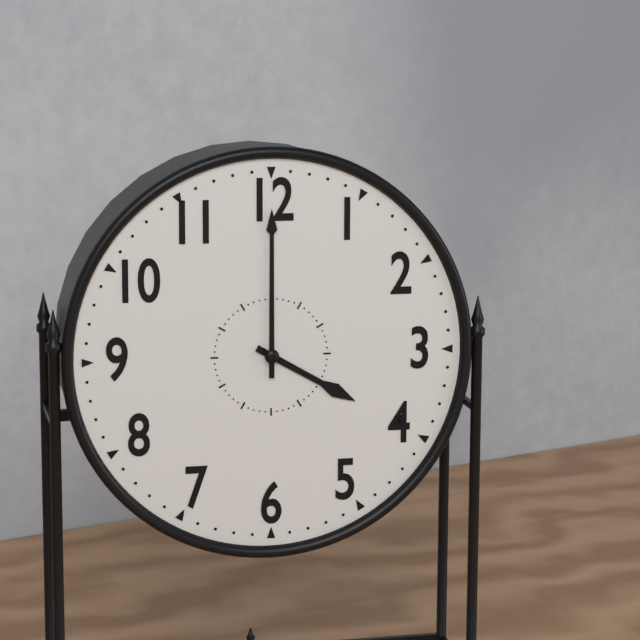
4:00
